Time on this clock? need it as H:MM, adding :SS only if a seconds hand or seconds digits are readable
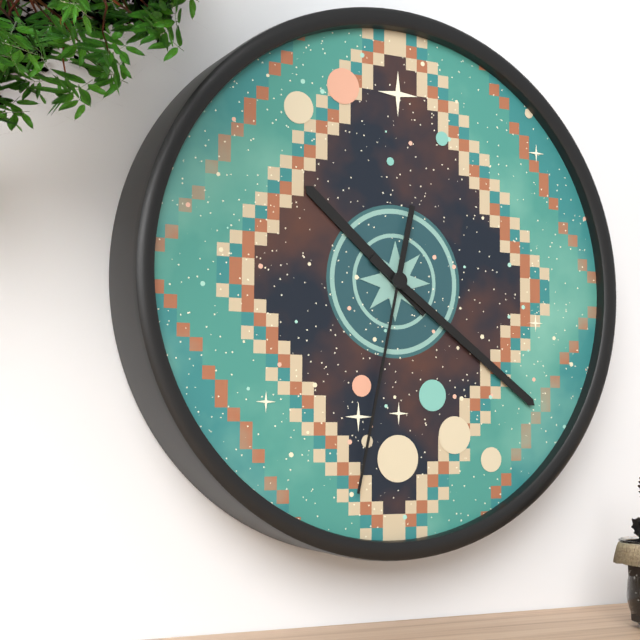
10:21:32
